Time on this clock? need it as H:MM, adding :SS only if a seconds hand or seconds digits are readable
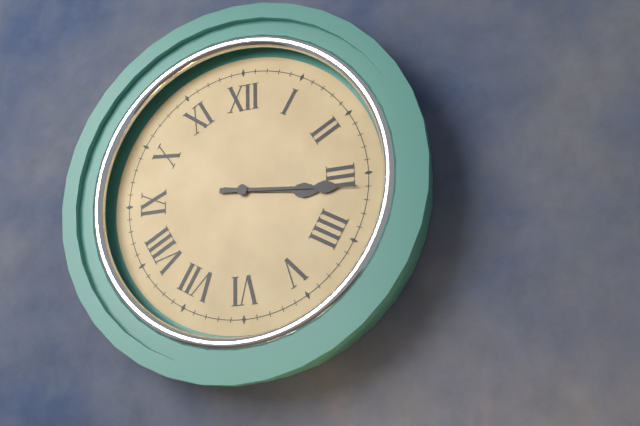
3:16
